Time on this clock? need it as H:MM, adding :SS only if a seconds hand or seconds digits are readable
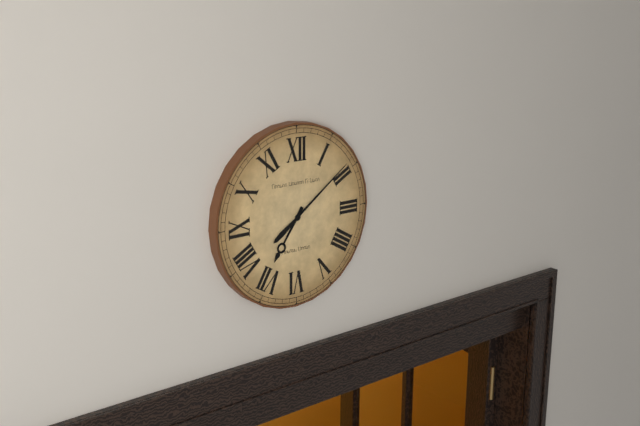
7:09
